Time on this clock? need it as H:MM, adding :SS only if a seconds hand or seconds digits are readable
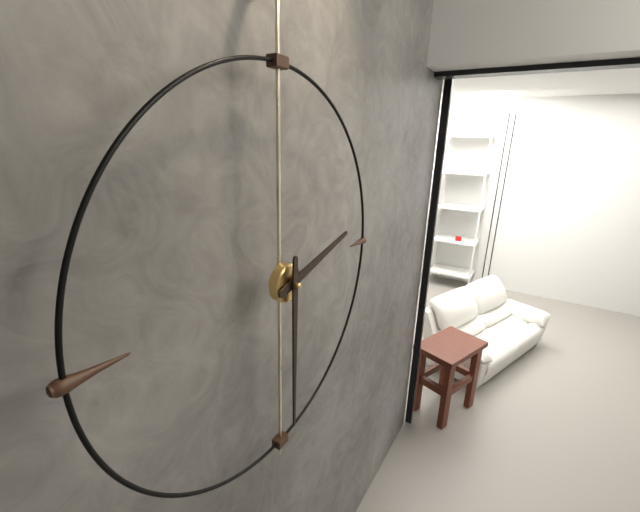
2:30
